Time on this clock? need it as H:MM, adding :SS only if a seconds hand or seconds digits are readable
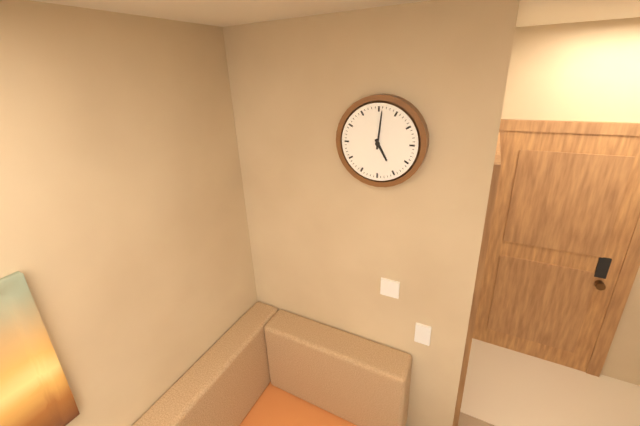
5:01
